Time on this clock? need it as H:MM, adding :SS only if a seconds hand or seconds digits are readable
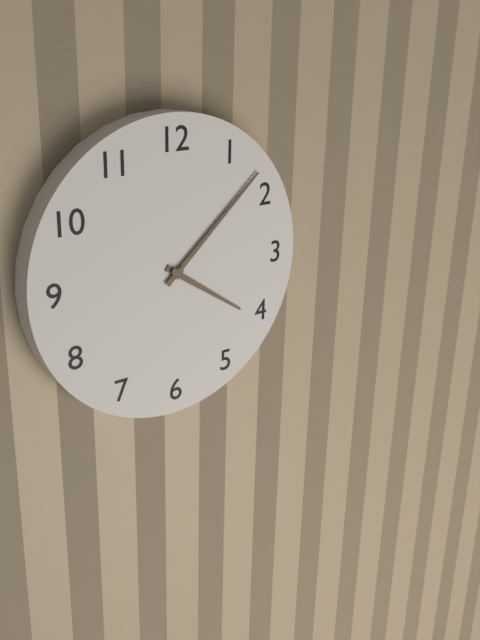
4:08
